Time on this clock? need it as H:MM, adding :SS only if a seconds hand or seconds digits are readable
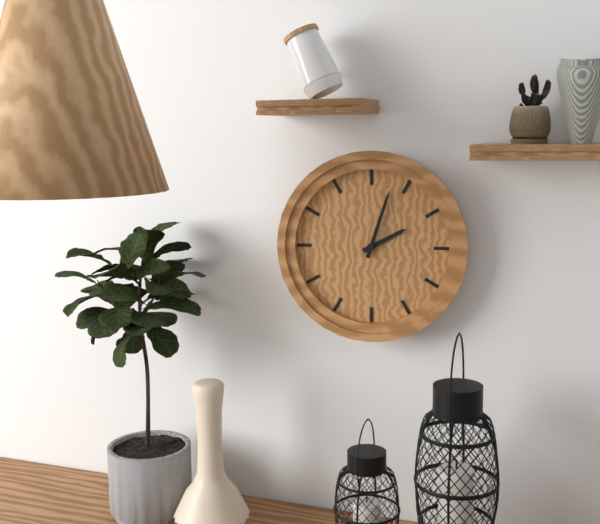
2:03
